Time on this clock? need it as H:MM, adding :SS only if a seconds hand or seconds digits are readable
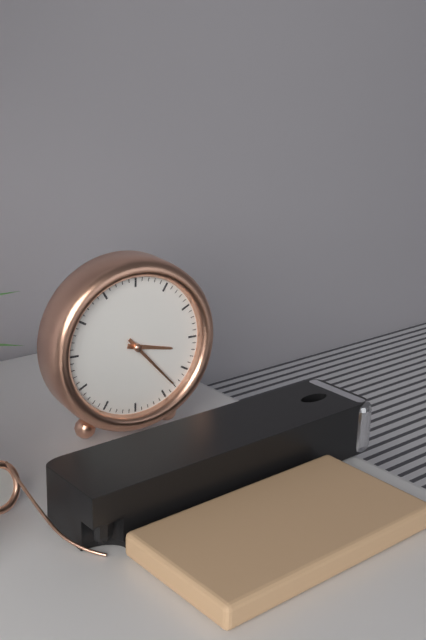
3:23
